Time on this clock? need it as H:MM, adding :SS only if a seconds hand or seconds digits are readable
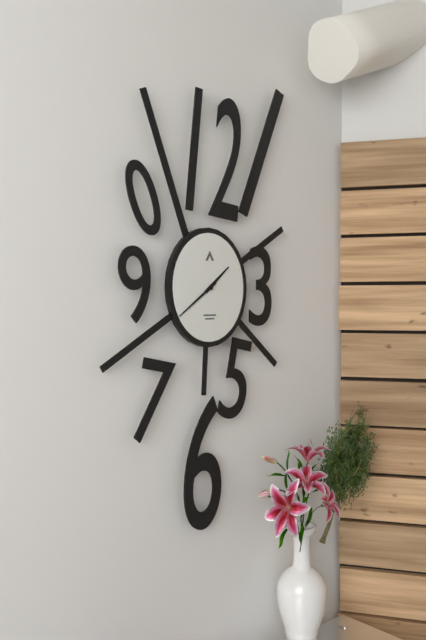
1:39
